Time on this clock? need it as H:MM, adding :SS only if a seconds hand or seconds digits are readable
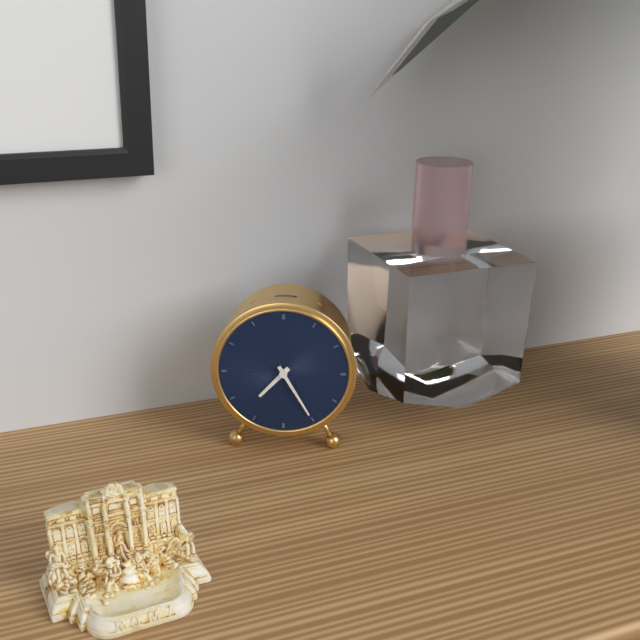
7:25
